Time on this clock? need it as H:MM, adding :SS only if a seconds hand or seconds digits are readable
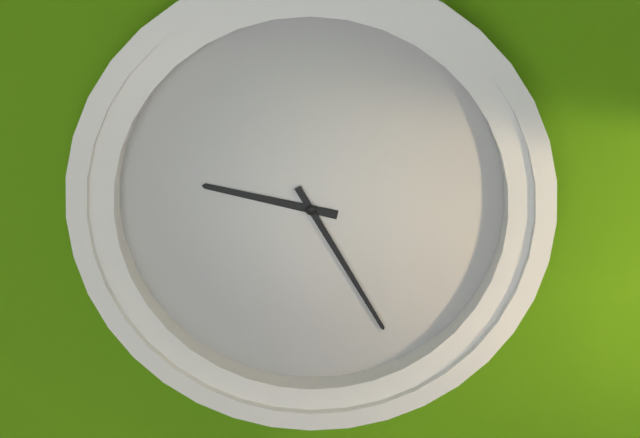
9:25
